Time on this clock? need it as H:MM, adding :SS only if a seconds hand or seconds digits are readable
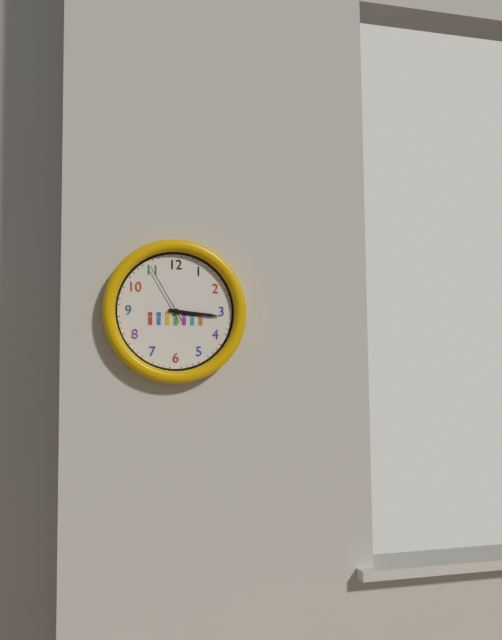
3:16:55
